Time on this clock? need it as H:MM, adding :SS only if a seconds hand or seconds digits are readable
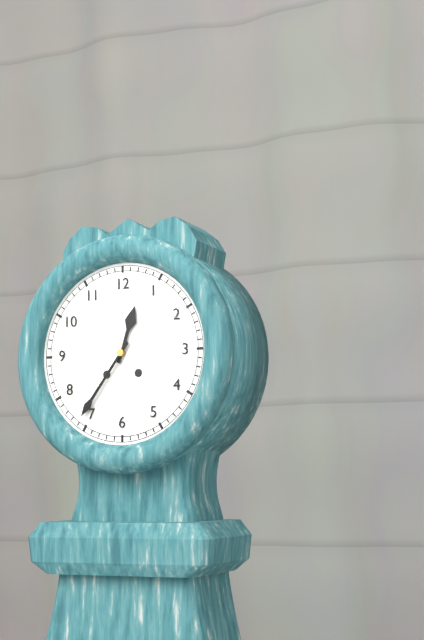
12:36
